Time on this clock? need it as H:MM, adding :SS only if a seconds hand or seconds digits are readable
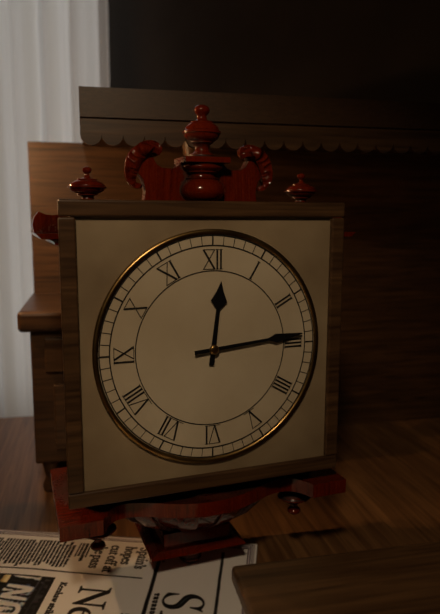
12:14
